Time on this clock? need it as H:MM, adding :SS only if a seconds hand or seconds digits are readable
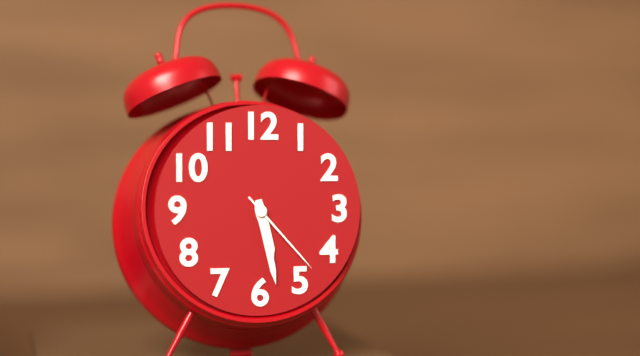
5:28:23
